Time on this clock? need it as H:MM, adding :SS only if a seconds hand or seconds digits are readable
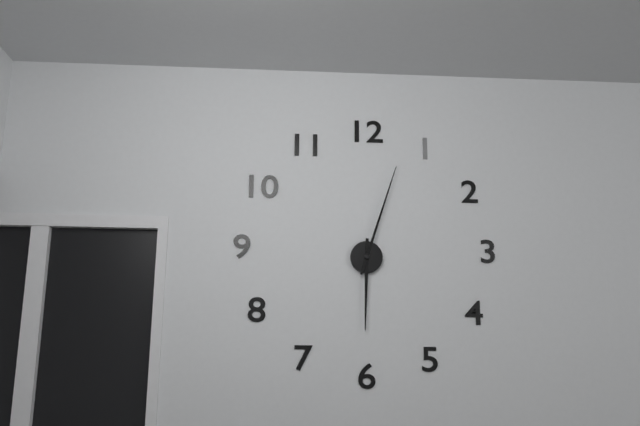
6:03
